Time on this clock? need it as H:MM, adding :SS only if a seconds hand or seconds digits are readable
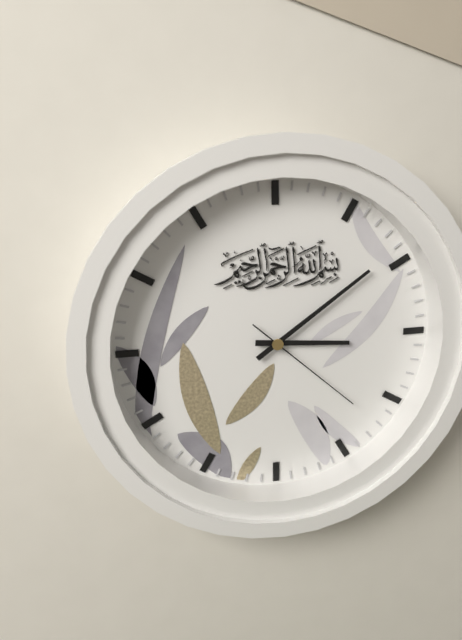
3:09:22
